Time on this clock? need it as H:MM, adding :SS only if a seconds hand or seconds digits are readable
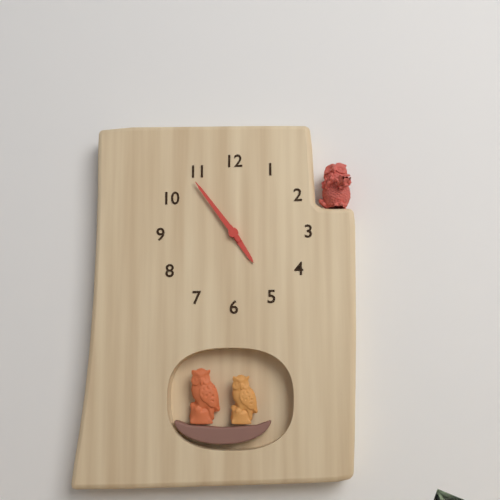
4:54
